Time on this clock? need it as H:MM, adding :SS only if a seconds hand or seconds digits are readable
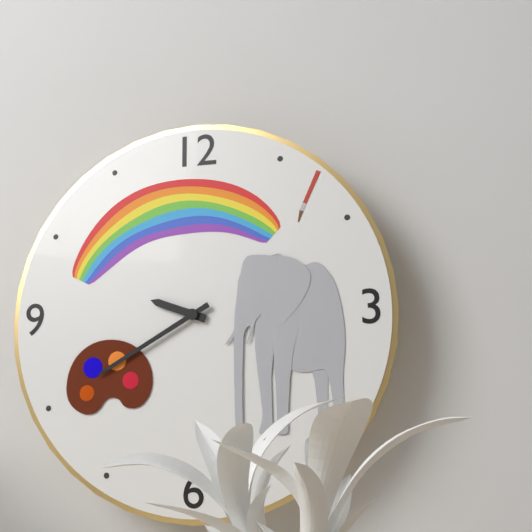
9:40
